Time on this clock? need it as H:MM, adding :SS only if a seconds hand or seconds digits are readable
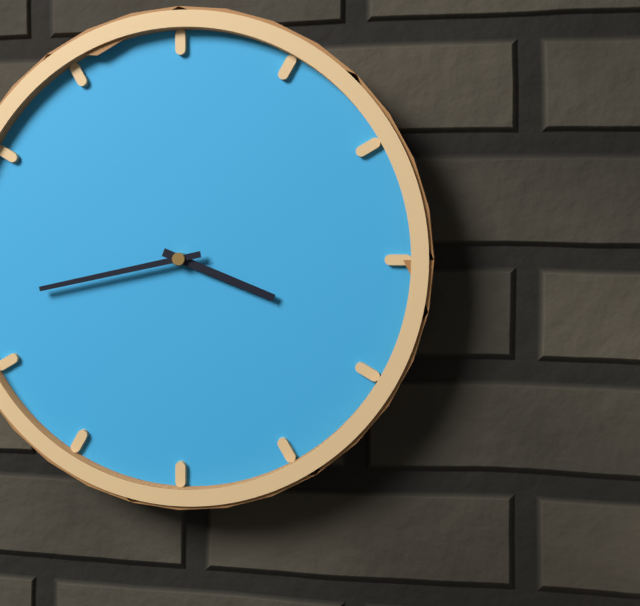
3:43
